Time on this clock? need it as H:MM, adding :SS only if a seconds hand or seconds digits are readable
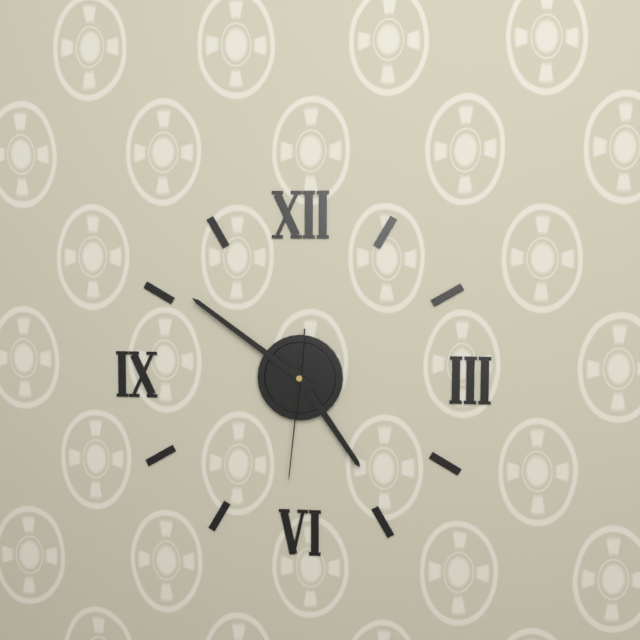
4:51:31
